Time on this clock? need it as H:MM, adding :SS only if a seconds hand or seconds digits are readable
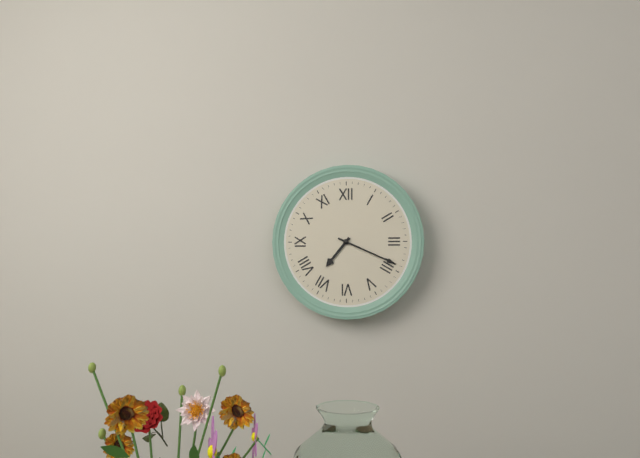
7:19
